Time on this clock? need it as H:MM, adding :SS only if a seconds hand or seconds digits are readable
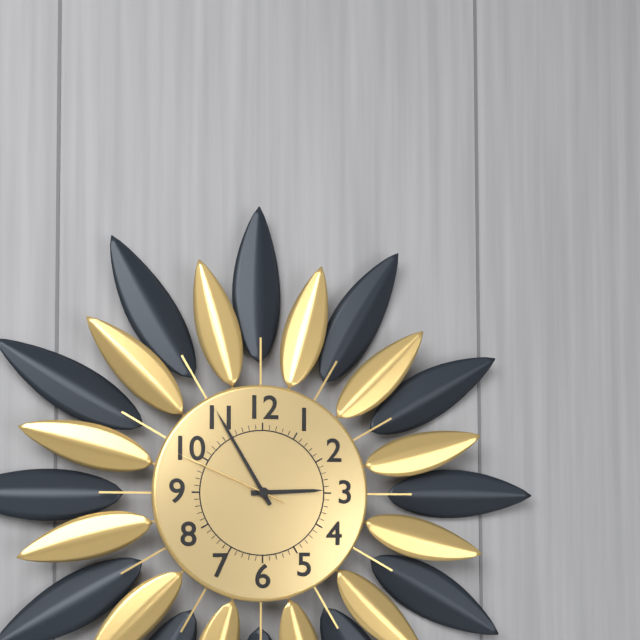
2:55:49
